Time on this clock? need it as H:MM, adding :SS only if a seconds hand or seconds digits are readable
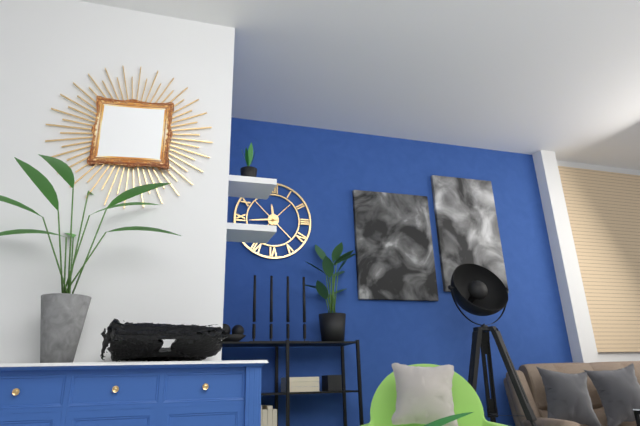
11:44
